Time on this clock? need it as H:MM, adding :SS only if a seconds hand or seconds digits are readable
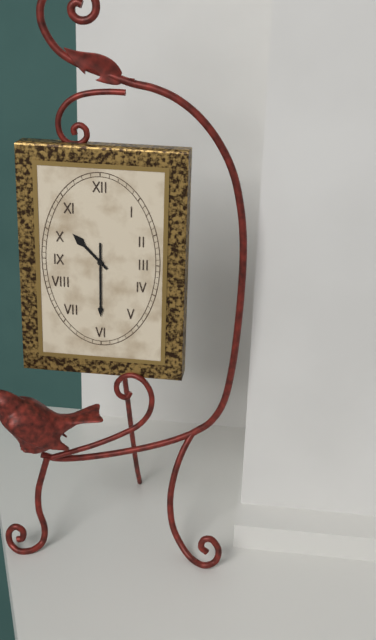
10:30
